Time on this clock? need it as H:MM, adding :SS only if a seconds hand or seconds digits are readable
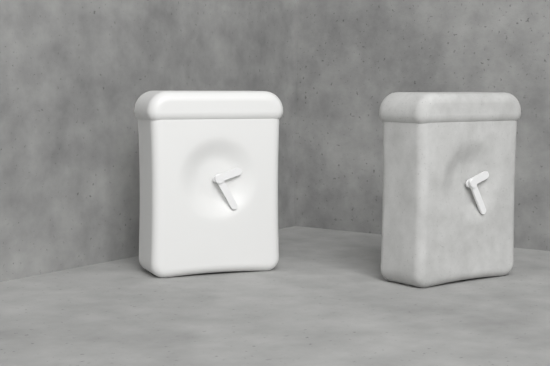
2:25
